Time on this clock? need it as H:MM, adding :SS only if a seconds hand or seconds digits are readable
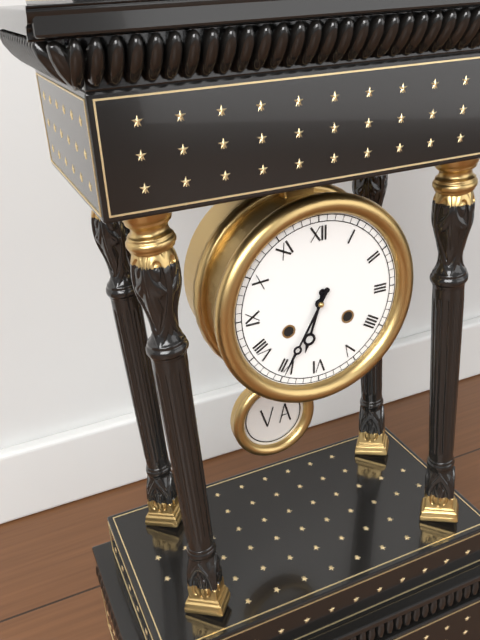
6:35
